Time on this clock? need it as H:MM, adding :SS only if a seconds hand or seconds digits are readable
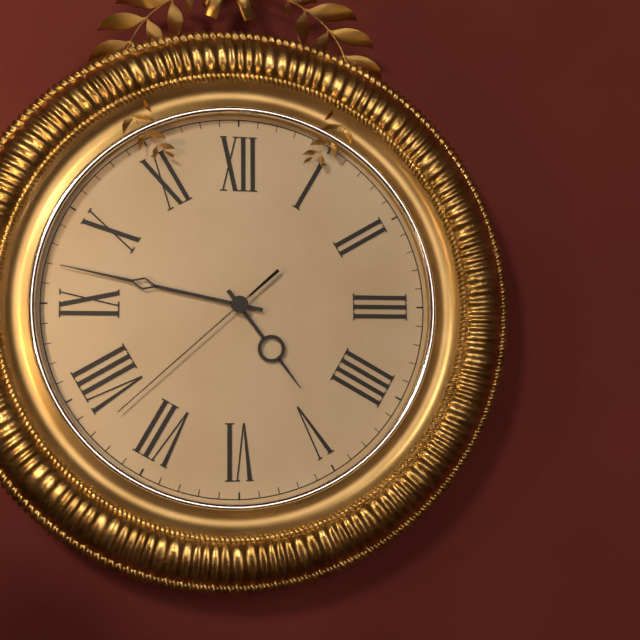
4:47:38
